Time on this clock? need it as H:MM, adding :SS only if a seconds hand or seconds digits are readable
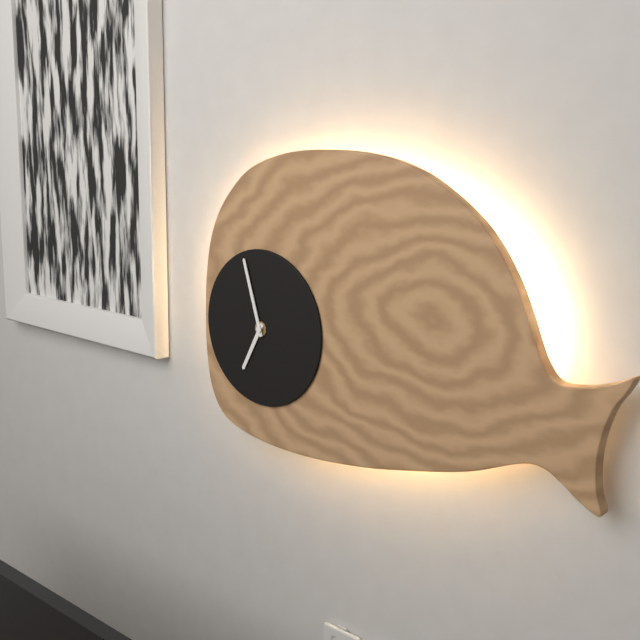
6:57
